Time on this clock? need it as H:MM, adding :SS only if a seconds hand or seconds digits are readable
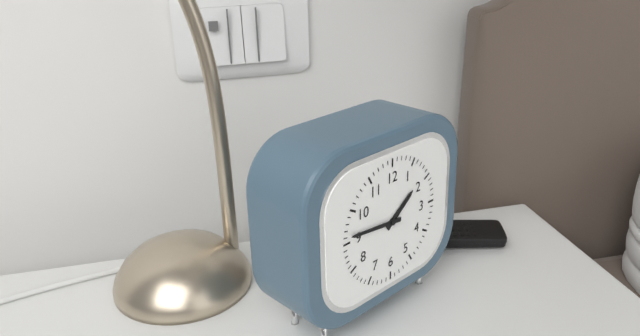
1:46
